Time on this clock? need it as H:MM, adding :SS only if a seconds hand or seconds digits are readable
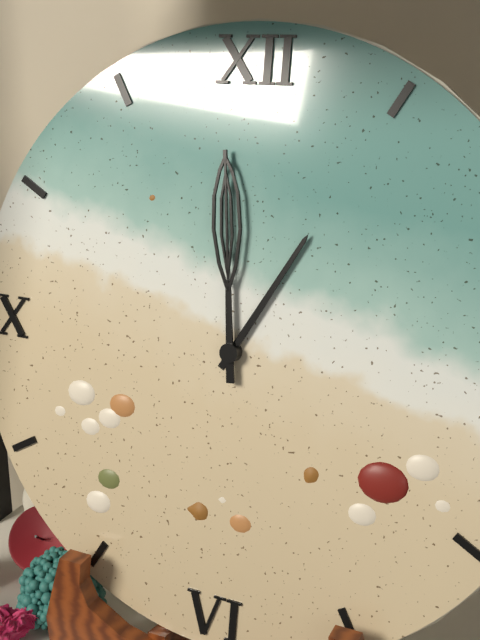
12:59
